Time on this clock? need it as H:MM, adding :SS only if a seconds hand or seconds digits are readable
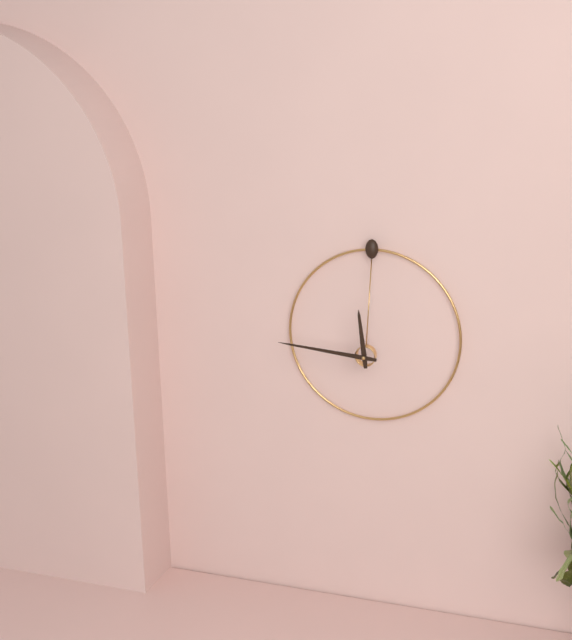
11:46
